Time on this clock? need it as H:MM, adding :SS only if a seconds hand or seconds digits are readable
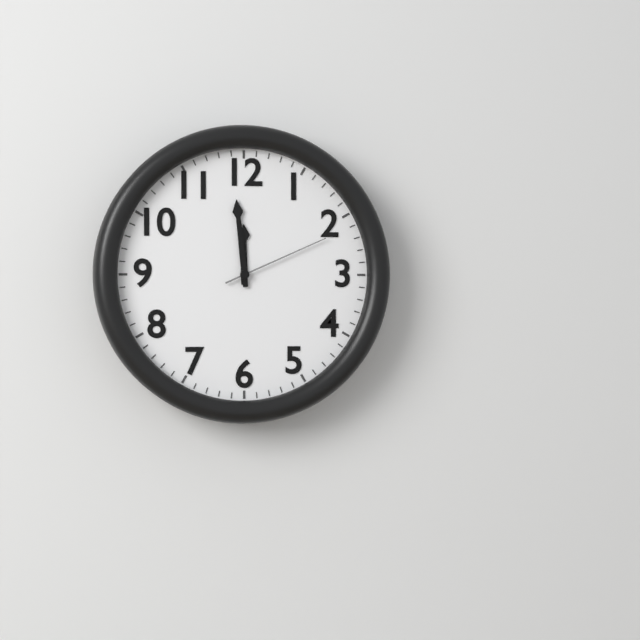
11:59:11
